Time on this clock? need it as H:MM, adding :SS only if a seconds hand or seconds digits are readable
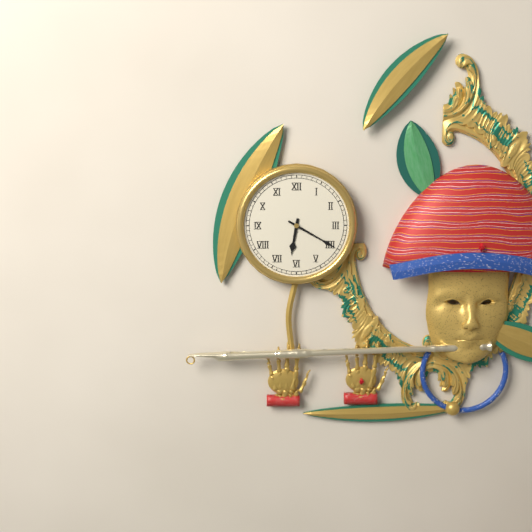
6:20
